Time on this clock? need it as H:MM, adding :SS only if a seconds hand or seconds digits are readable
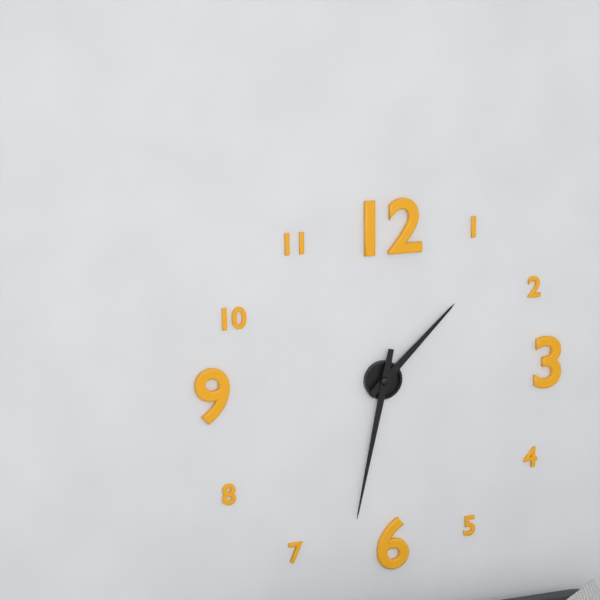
1:32
